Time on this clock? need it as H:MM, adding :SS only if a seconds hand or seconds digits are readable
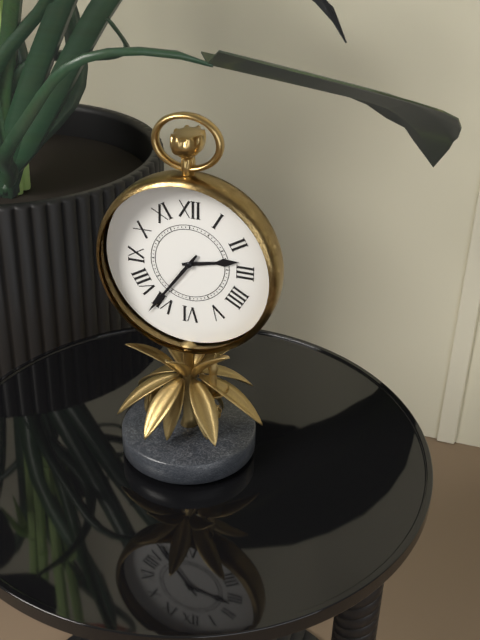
2:36
